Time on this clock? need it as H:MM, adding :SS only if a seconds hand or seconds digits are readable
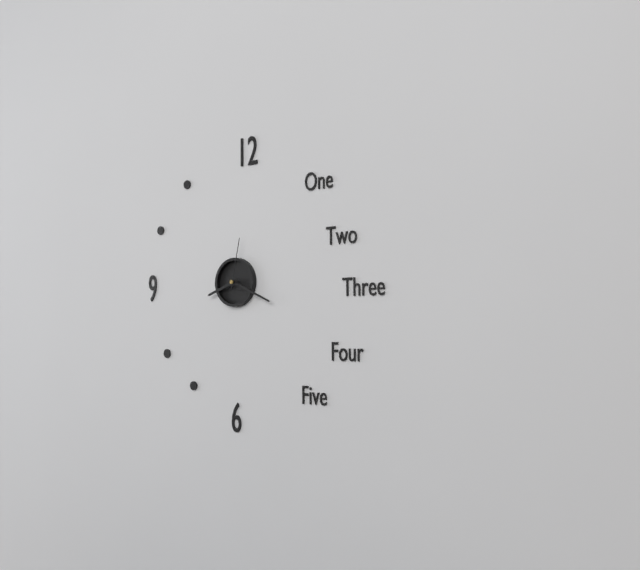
8:19:02
